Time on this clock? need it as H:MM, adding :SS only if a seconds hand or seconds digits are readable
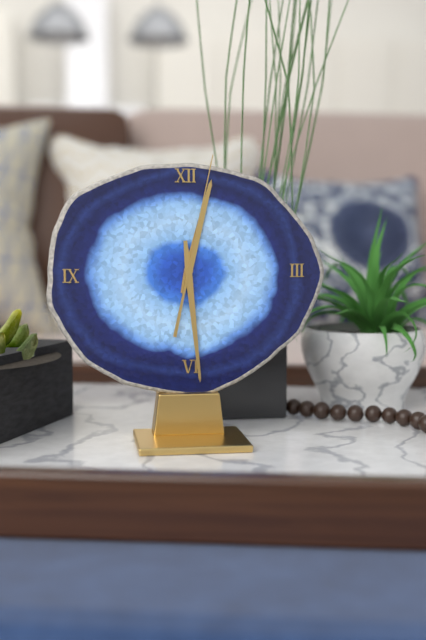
12:29:02
